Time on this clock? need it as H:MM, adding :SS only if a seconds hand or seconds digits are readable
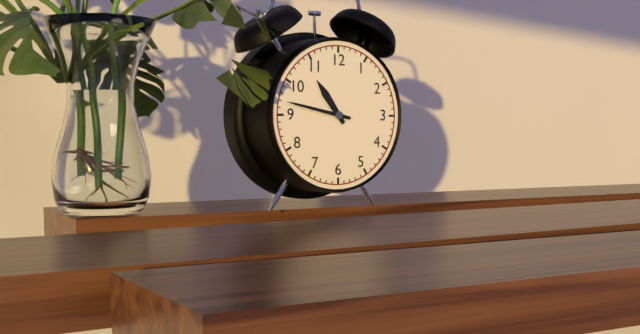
10:47
